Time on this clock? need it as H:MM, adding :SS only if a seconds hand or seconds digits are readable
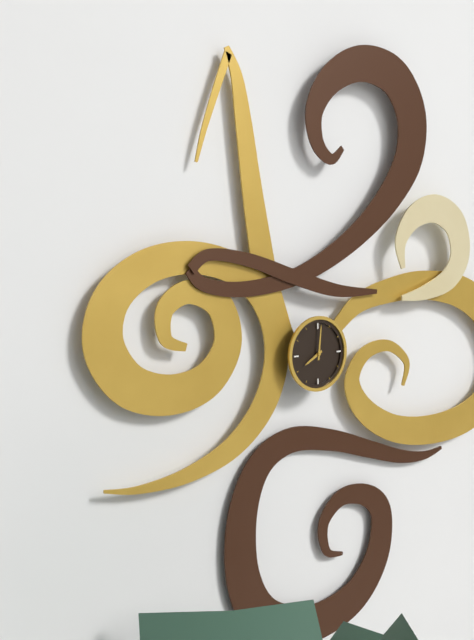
8:01
